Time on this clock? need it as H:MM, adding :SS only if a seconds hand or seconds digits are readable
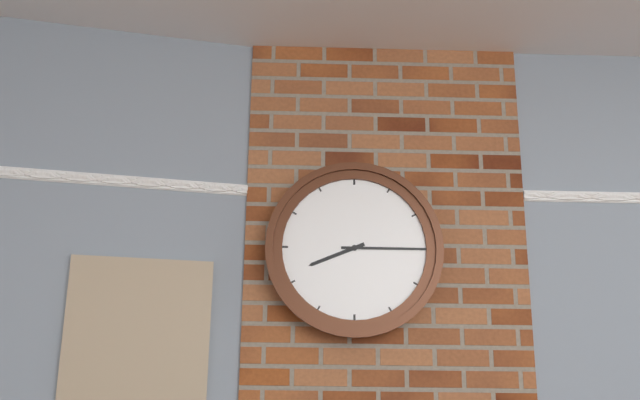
8:15
